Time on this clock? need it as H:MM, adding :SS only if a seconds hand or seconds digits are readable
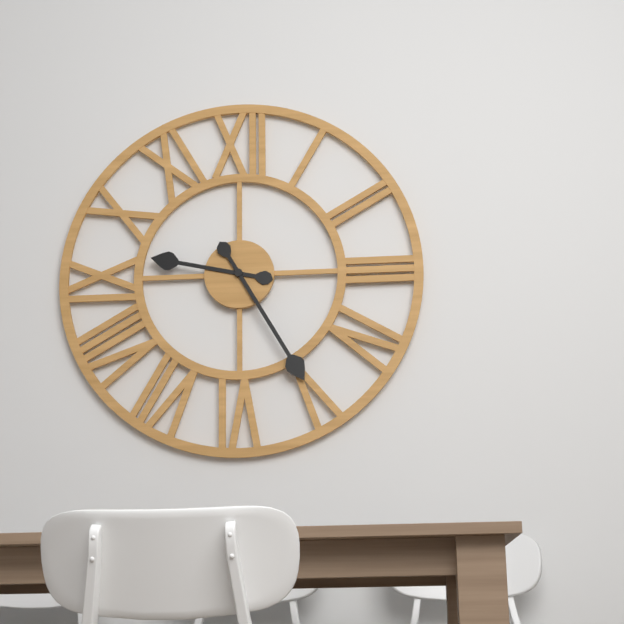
9:25
